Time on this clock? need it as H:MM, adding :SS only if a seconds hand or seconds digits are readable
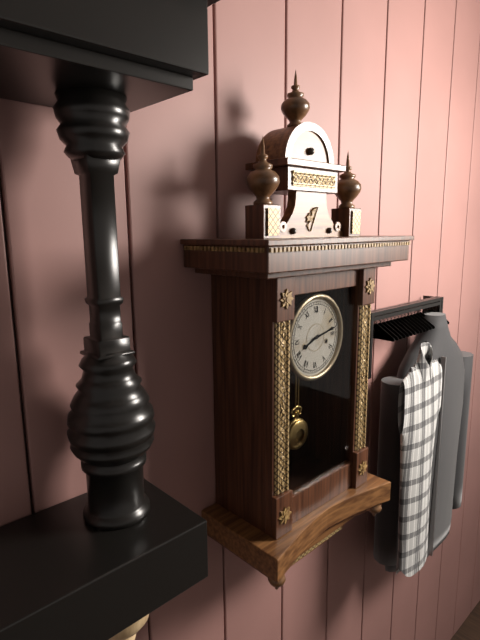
8:13
